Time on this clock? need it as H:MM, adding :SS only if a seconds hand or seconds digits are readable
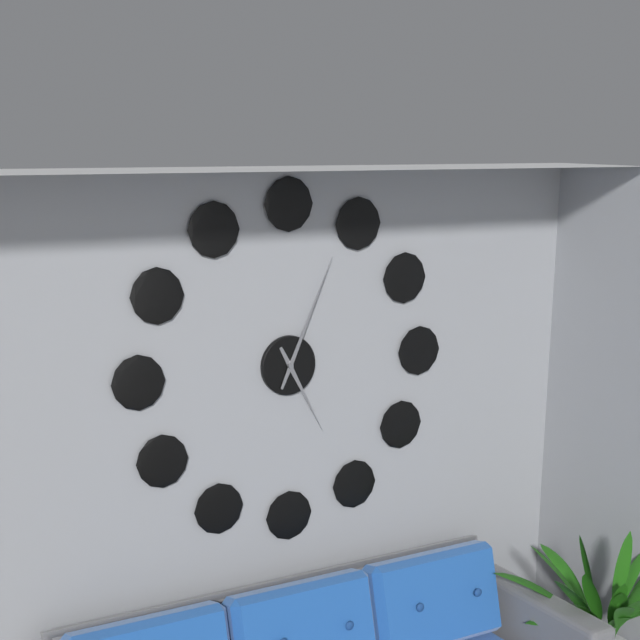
5:04
